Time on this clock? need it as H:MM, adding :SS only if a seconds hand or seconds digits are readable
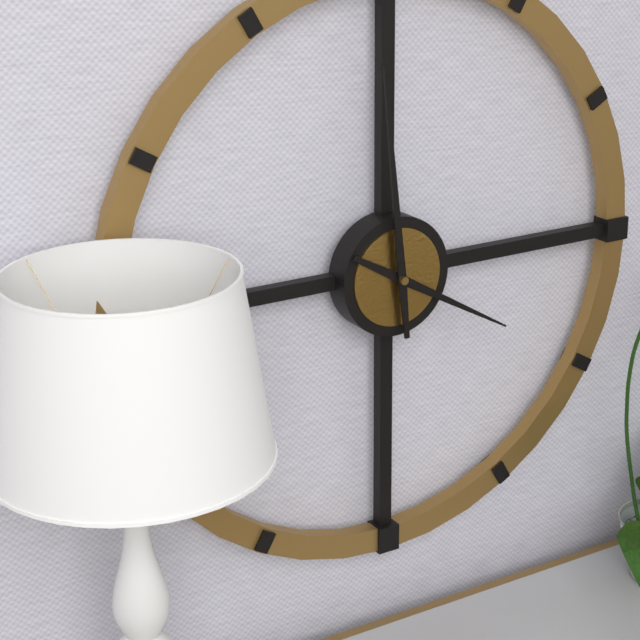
3:59
